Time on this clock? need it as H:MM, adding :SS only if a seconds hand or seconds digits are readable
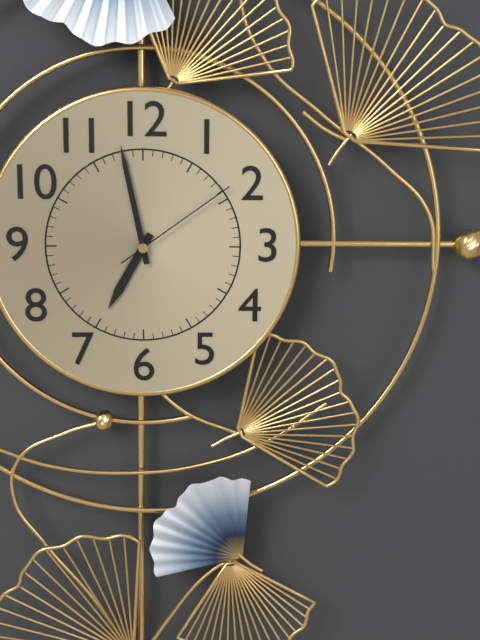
6:58:09
